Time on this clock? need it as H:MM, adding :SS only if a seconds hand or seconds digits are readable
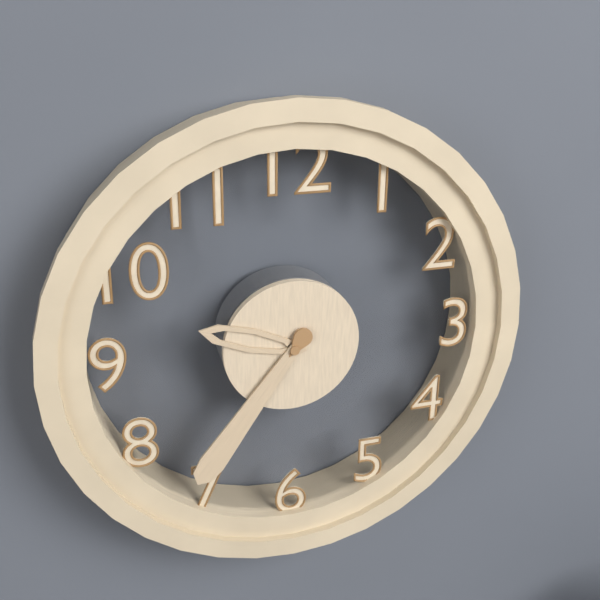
9:36
